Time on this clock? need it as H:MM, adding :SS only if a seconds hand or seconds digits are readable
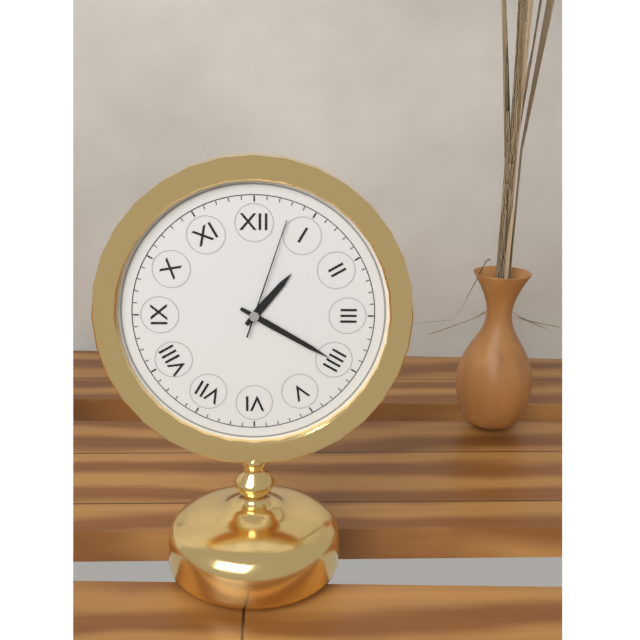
1:20:03
